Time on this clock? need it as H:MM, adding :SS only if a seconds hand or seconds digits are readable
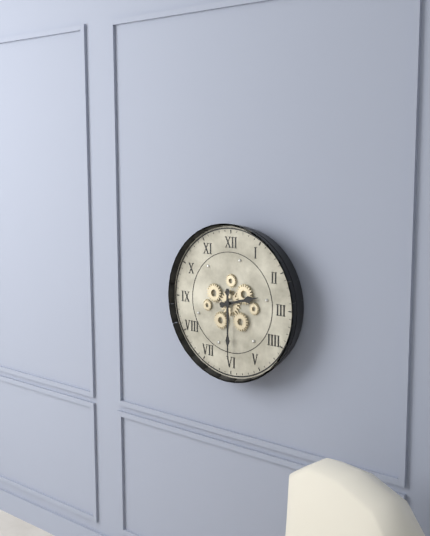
2:30
